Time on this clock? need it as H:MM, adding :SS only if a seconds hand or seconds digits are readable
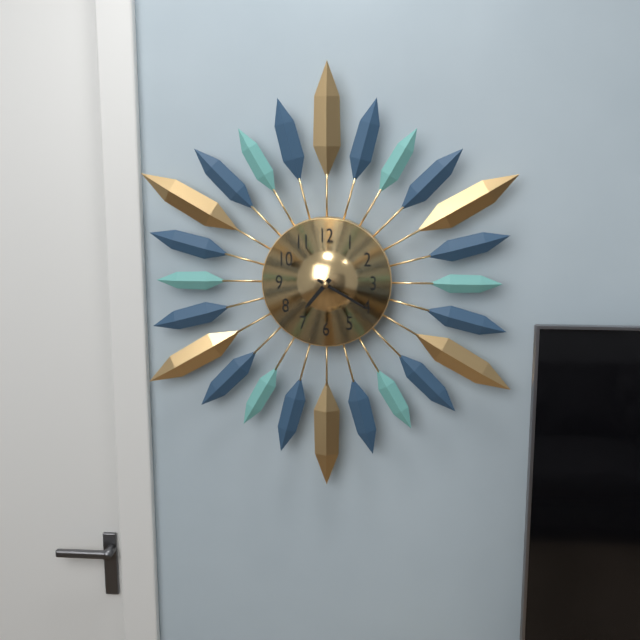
7:20
